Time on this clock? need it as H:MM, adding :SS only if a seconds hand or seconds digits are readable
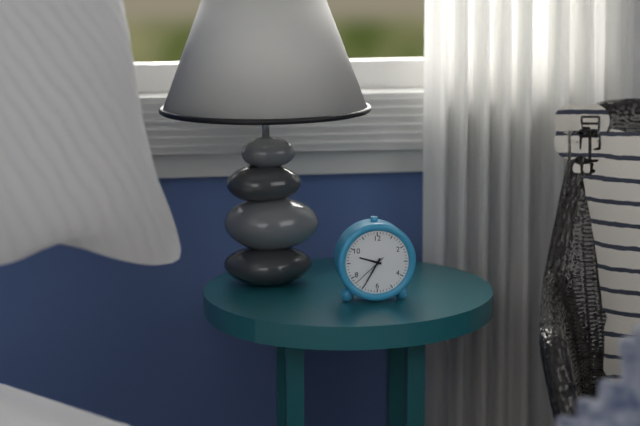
9:35
